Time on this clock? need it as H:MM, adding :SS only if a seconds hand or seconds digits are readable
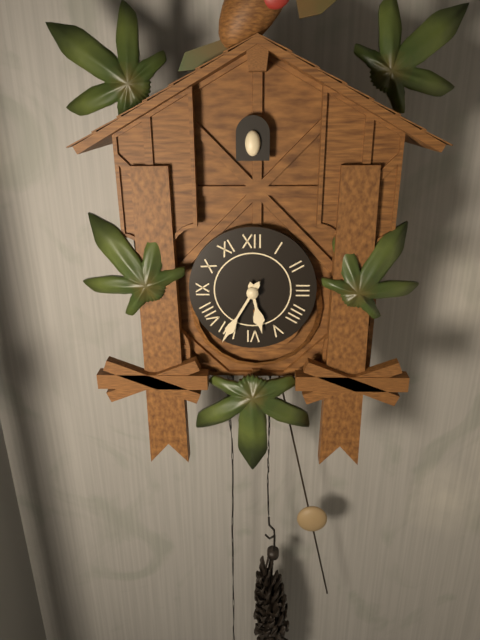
5:35
